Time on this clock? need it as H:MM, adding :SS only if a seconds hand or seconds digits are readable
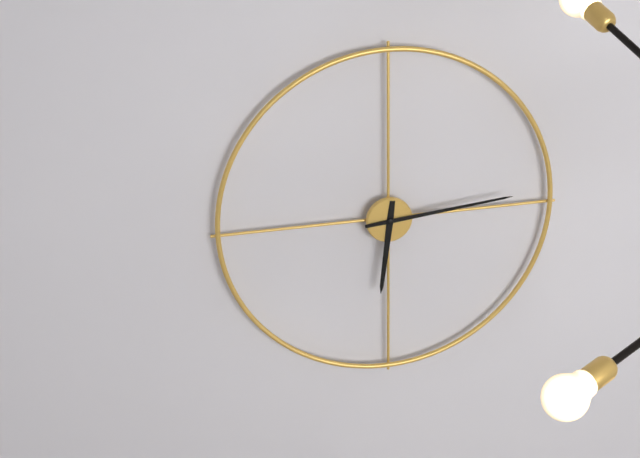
6:14
